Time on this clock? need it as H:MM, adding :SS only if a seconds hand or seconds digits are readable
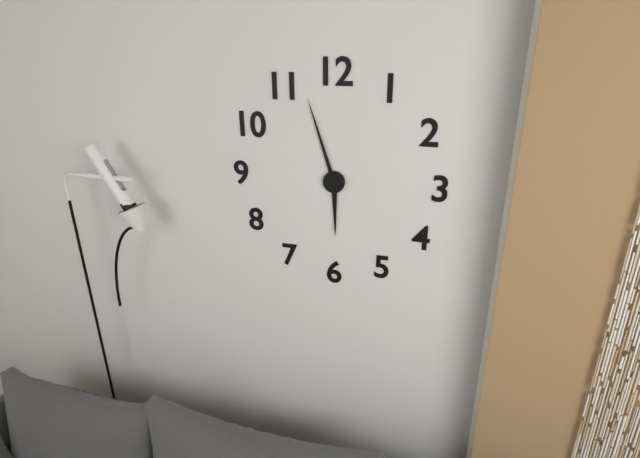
5:57
